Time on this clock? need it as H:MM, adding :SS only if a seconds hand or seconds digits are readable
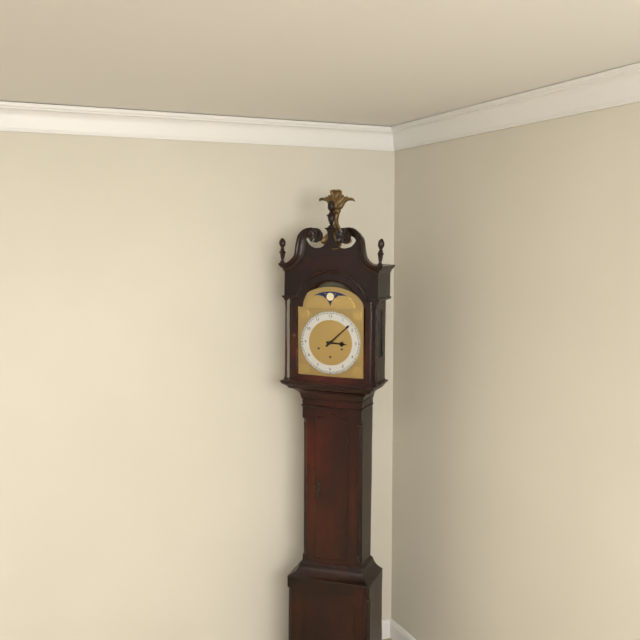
3:08
